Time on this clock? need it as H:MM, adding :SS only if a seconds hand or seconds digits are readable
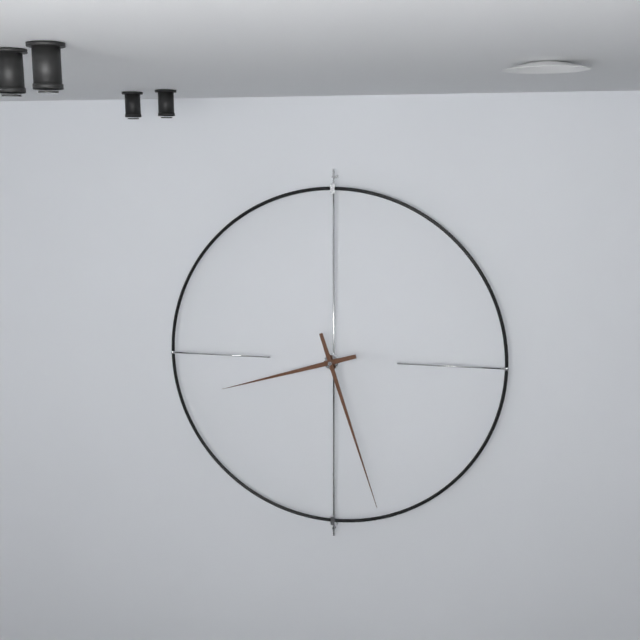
8:27
